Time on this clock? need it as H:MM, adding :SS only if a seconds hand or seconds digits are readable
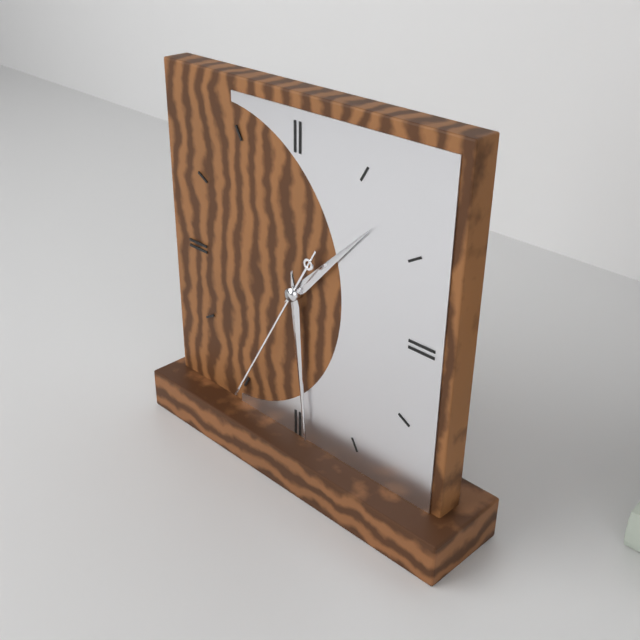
1:29:35
